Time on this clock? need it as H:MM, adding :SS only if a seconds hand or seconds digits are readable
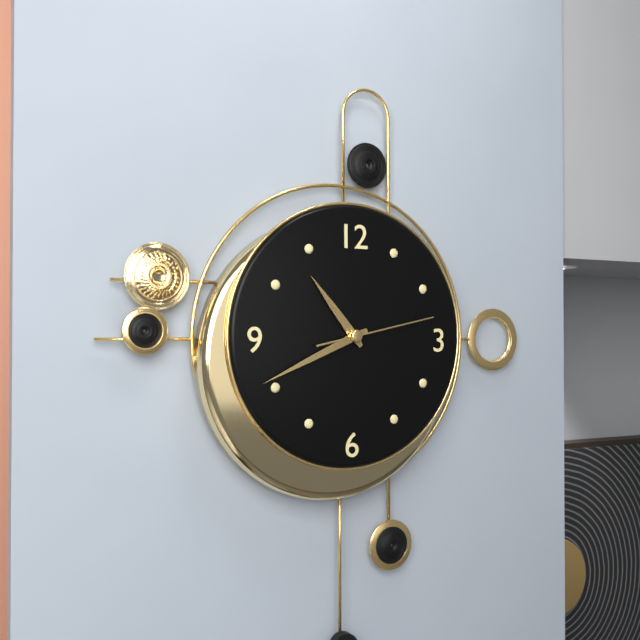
10:41:13
